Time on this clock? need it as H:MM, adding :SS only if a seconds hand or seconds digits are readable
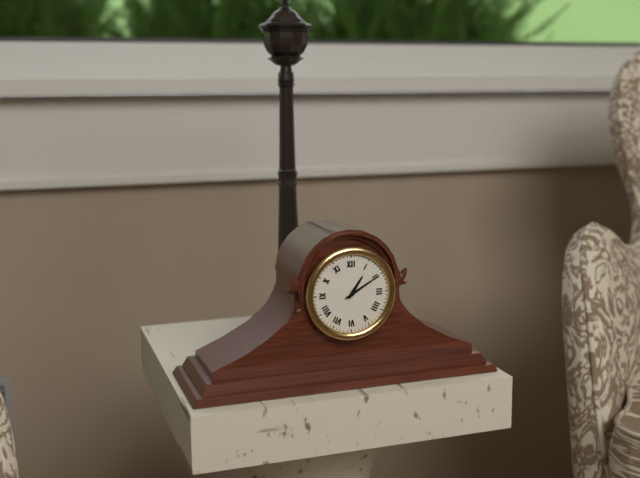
1:10
